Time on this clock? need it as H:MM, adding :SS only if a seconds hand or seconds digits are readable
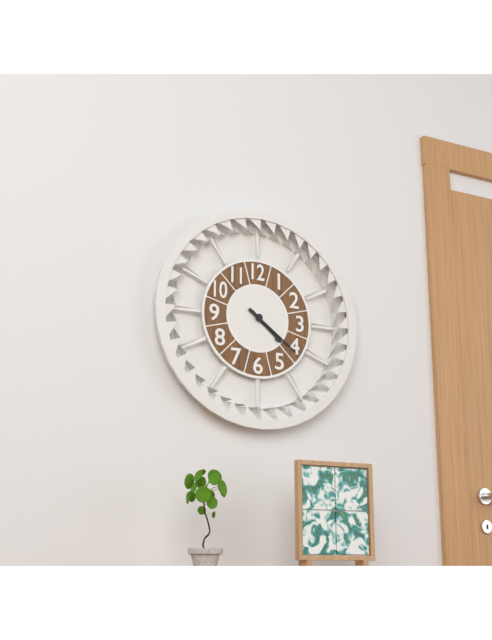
4:21
